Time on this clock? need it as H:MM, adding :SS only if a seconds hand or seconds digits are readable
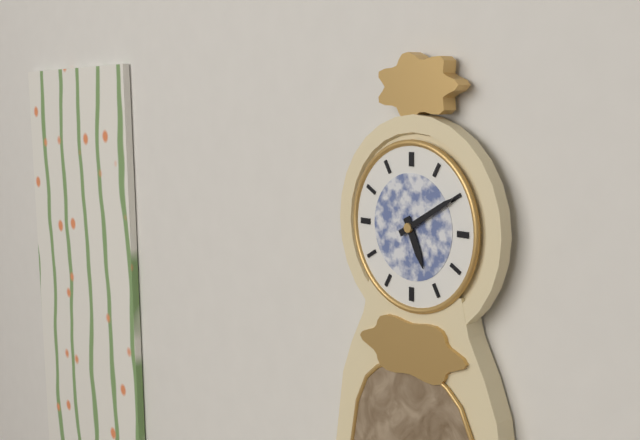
5:10
